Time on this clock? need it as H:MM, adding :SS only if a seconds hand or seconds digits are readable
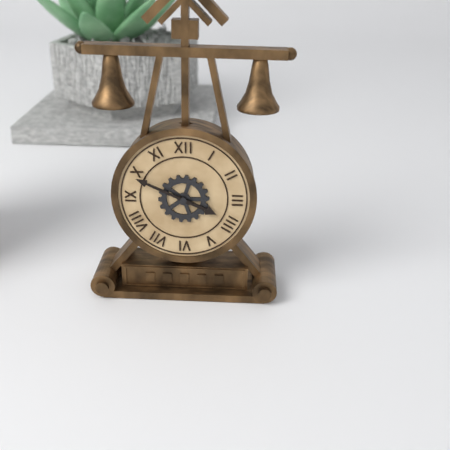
3:49
